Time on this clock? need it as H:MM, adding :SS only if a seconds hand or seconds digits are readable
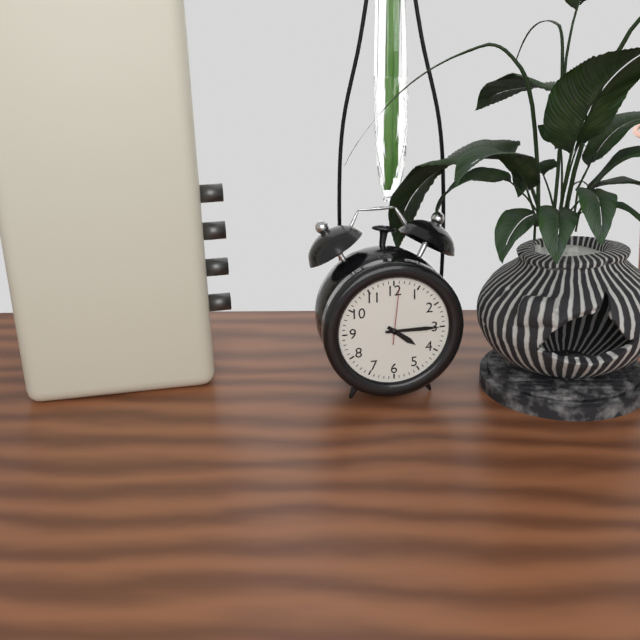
4:15:01
